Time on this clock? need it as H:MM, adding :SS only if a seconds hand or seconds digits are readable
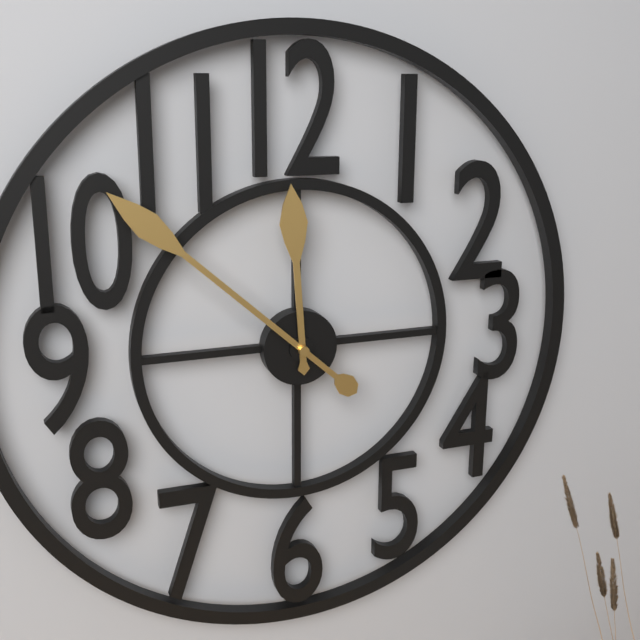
11:52
